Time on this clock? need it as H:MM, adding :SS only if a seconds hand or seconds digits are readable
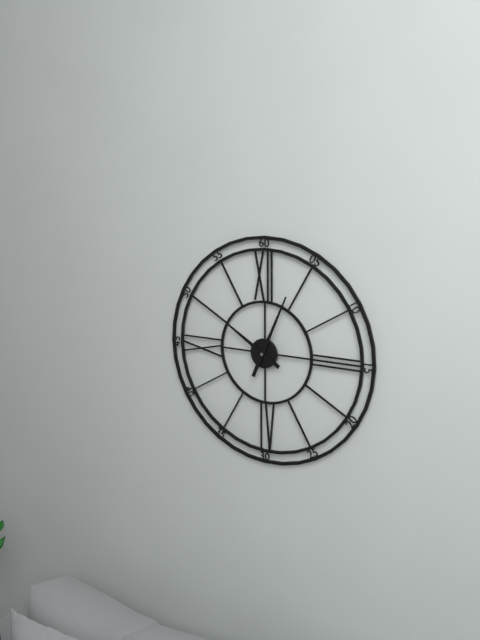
10:04
